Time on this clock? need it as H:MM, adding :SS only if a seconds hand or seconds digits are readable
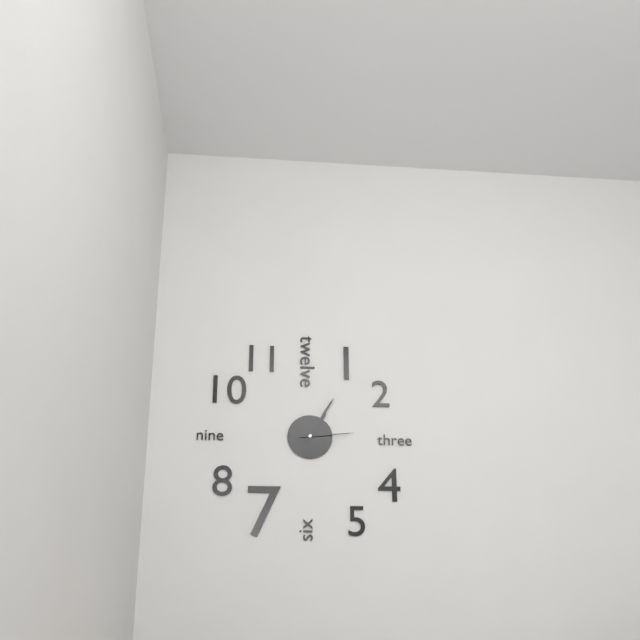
1:05:14
